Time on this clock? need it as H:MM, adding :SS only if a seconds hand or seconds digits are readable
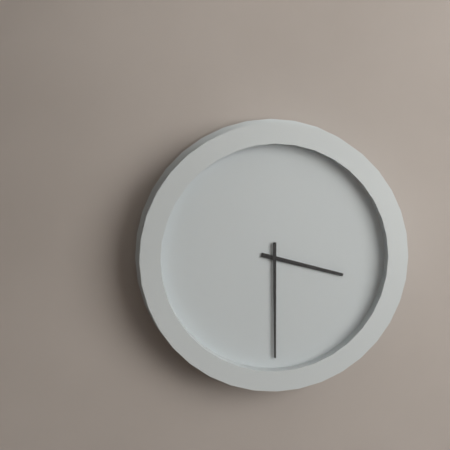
3:30
